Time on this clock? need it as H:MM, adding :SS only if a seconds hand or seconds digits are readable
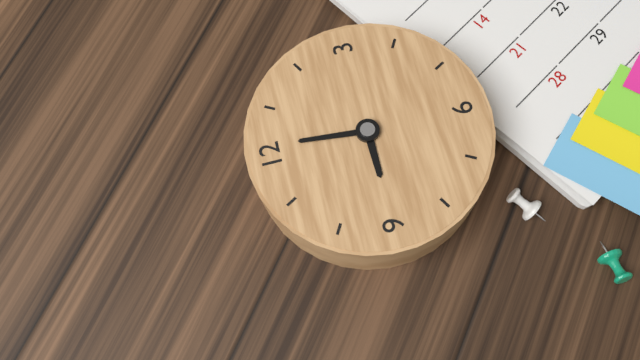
9:01
